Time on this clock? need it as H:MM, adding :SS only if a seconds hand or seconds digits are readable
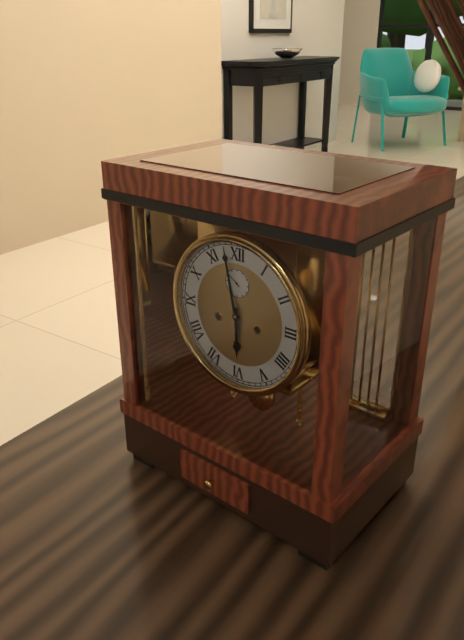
5:58
